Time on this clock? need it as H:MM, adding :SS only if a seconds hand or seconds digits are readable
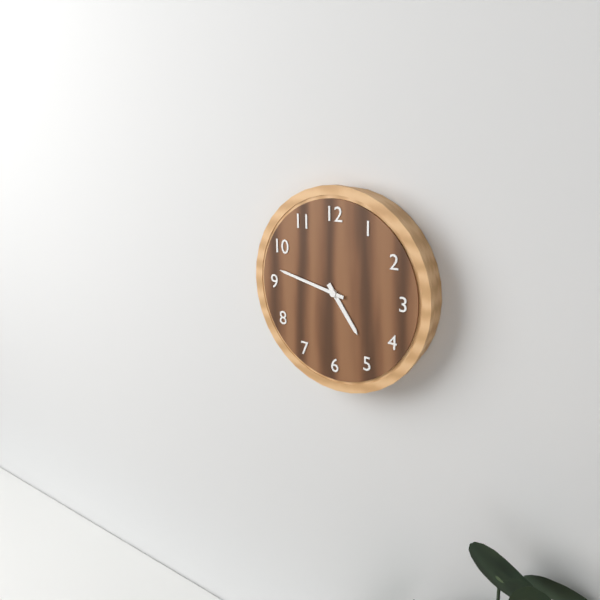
4:47
